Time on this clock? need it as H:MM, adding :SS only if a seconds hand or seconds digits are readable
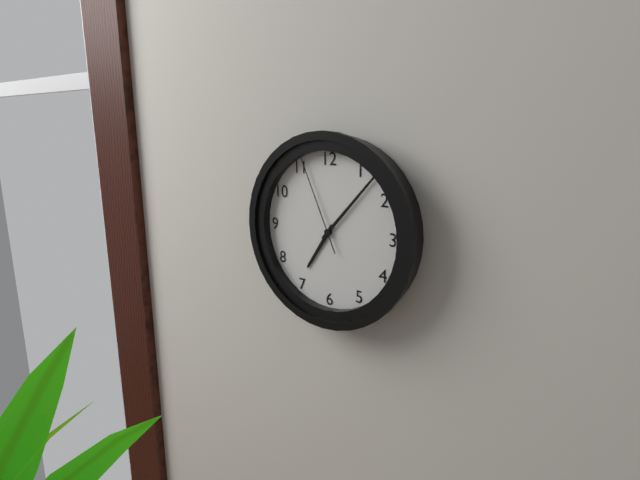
7:07:56
